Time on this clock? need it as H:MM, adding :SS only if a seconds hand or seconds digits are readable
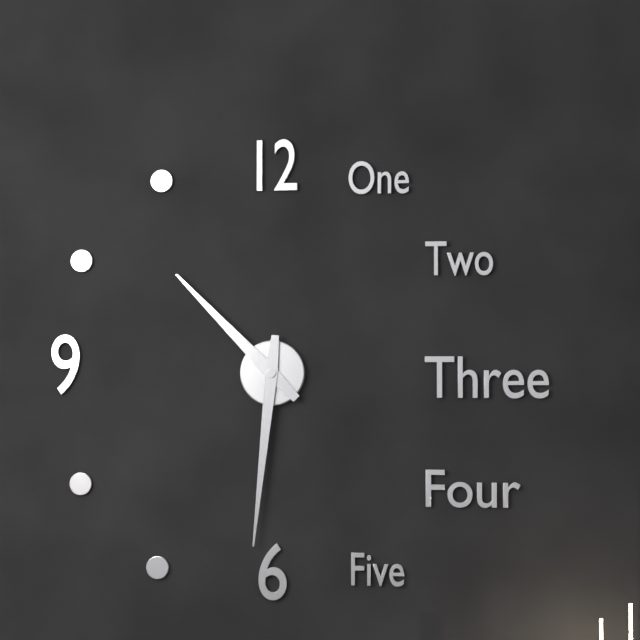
10:31
